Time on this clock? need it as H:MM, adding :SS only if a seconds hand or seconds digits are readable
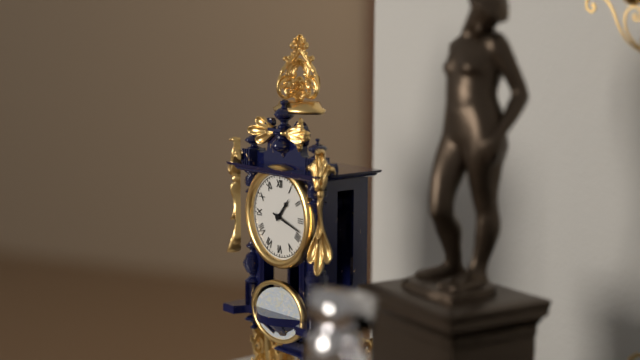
1:18
